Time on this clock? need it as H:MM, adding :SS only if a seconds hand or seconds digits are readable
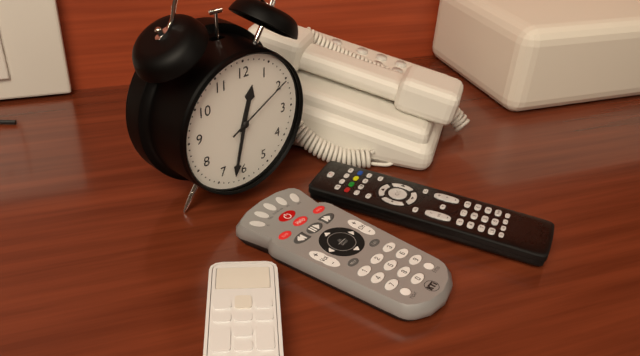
12:32:10
